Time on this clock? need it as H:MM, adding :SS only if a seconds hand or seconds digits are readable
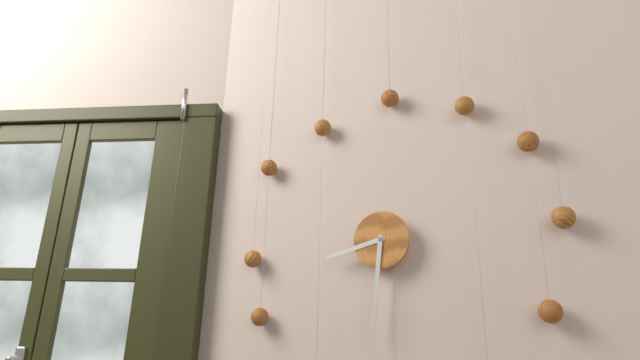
8:31
